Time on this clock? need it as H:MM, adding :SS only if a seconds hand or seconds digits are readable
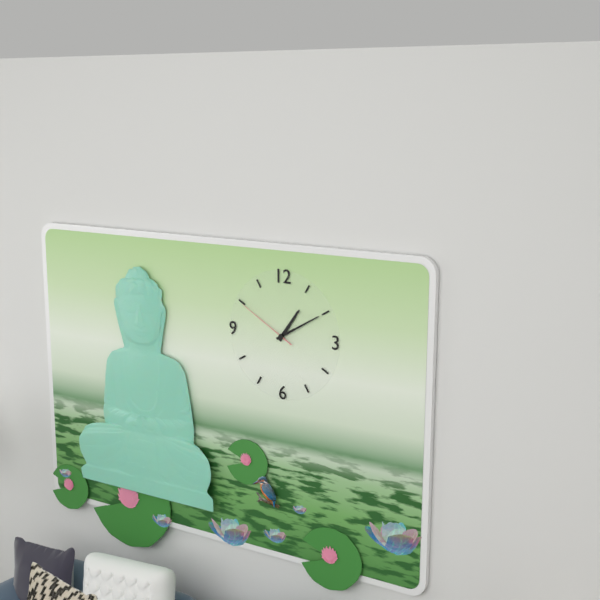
1:10:50
